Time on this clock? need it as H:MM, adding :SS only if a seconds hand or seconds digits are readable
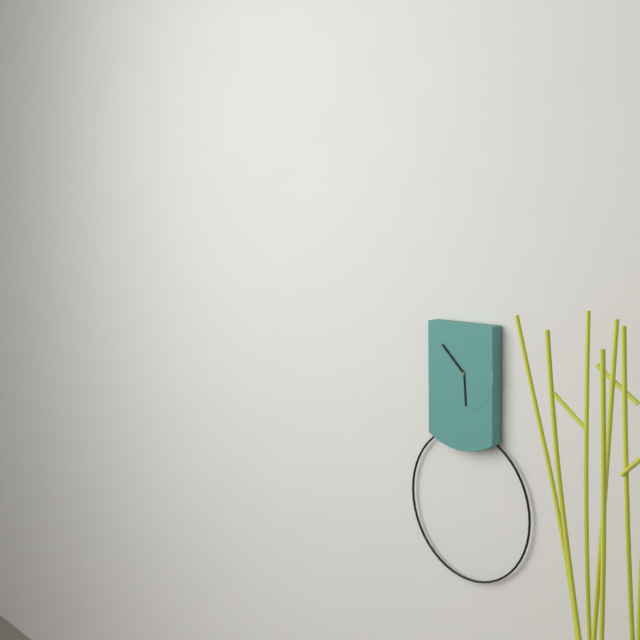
5:52
